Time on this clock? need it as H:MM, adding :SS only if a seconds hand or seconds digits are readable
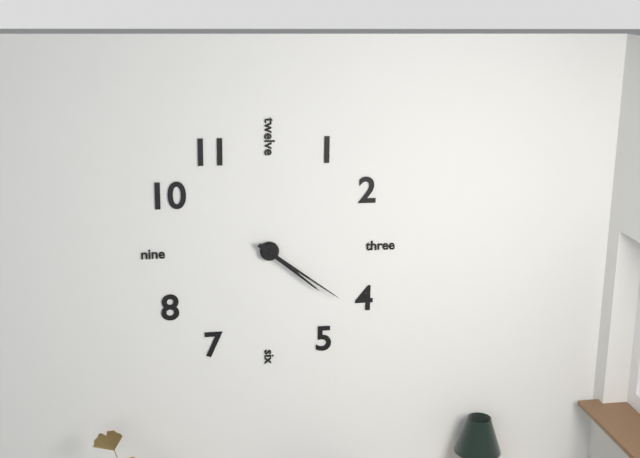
4:21
